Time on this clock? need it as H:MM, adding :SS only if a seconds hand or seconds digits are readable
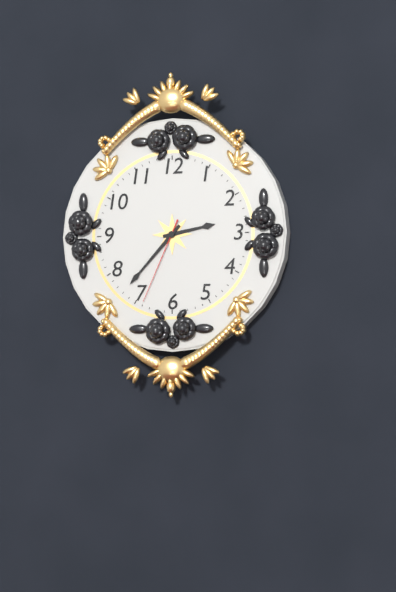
2:37:34
